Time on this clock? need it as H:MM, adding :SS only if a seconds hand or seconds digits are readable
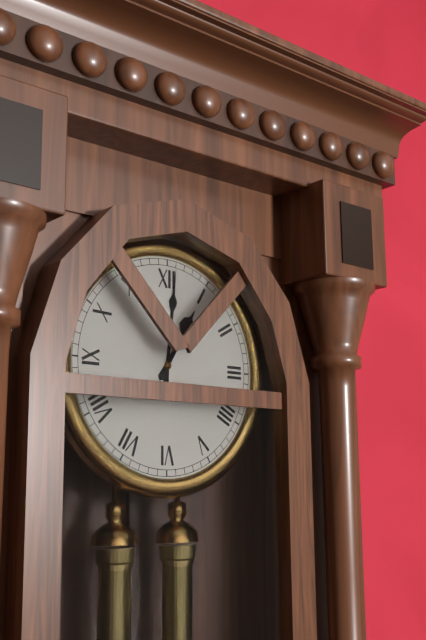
1:01
